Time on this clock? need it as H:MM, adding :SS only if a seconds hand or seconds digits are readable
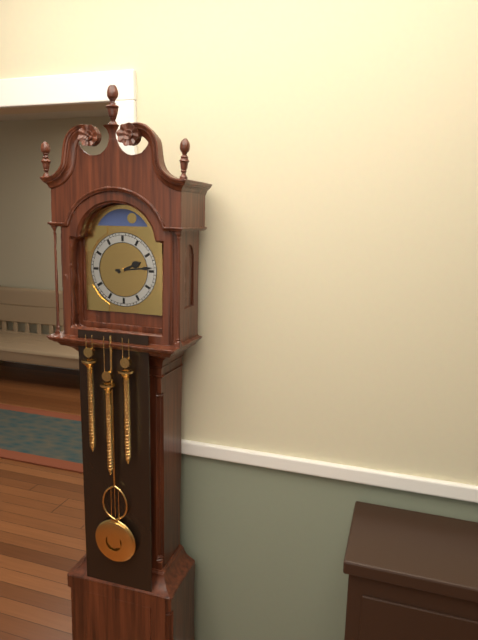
2:14
